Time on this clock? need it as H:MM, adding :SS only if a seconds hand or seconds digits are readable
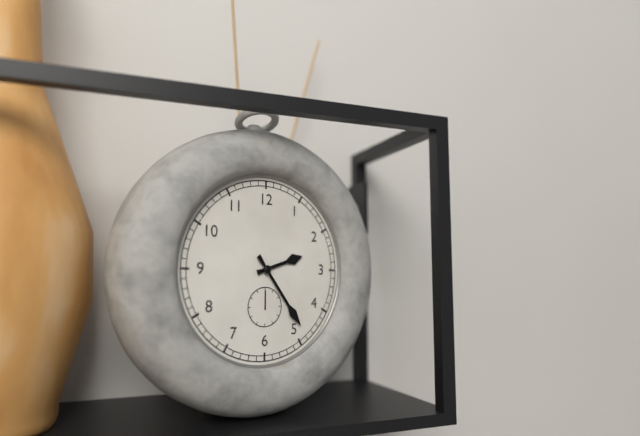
2:24
